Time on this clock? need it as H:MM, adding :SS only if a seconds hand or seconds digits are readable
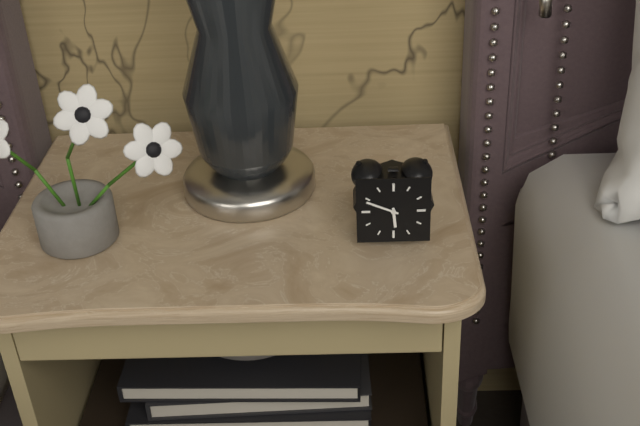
5:49
